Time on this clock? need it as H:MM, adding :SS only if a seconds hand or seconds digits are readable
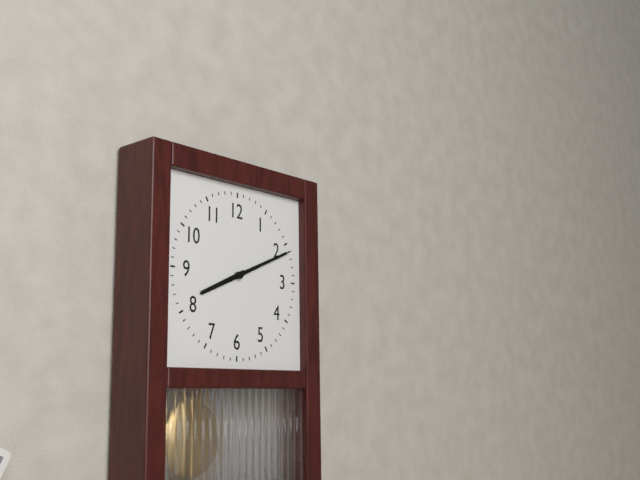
8:11:11
